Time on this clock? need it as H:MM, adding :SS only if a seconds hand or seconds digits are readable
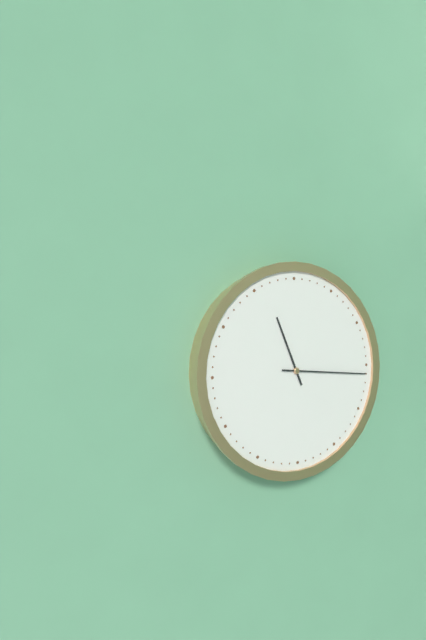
11:16
